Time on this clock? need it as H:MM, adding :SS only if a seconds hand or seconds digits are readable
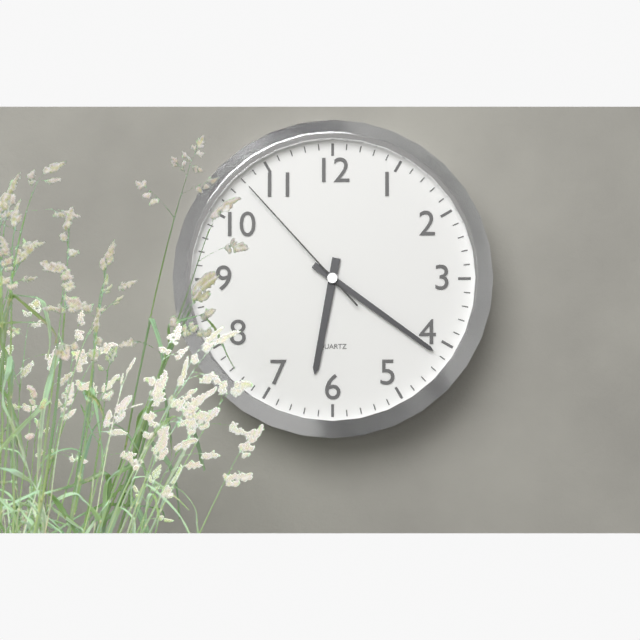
6:21:53
